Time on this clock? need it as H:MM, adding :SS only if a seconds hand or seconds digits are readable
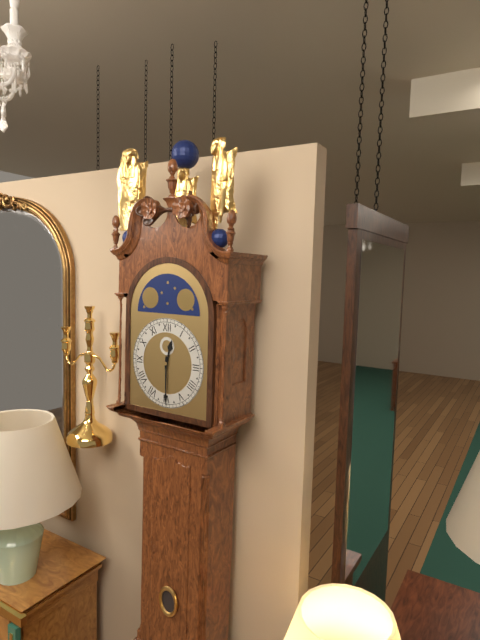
12:30
